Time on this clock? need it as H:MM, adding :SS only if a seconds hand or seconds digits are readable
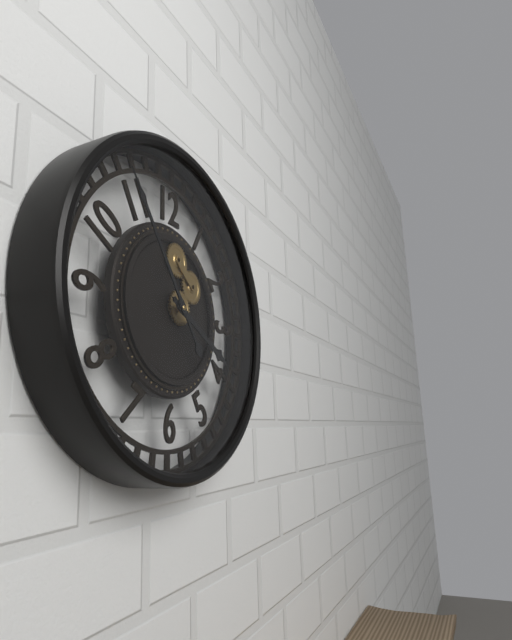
3:54
